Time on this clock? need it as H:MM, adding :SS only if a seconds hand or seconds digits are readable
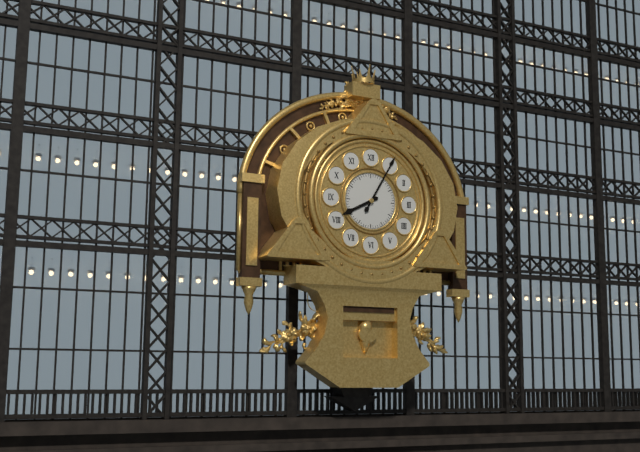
8:05
